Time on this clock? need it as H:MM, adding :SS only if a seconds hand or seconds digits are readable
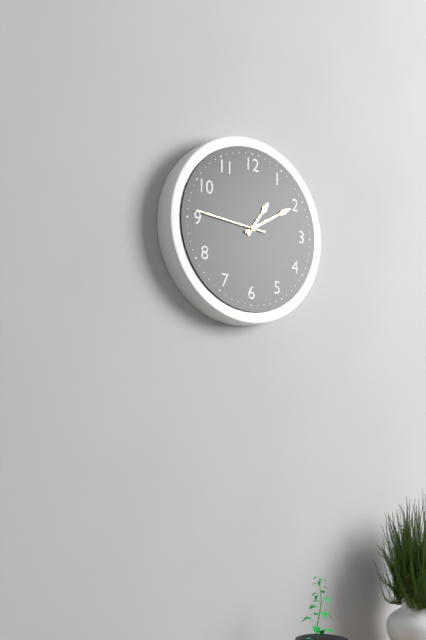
1:10:46
